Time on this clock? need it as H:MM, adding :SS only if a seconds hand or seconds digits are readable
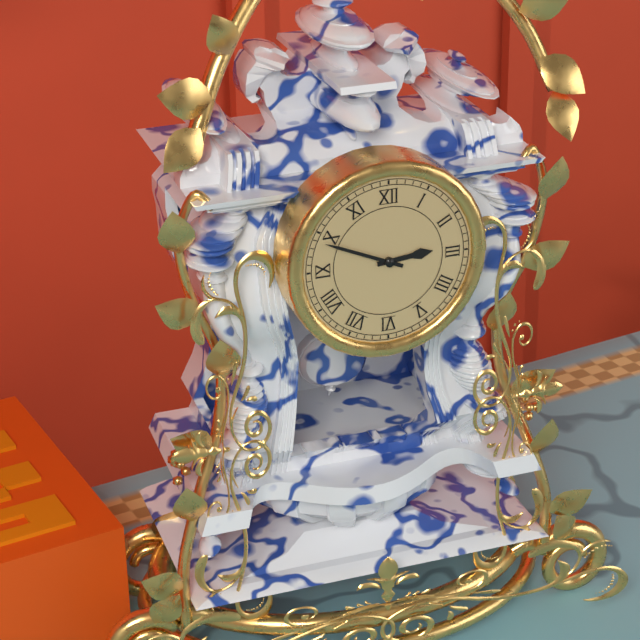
2:49
